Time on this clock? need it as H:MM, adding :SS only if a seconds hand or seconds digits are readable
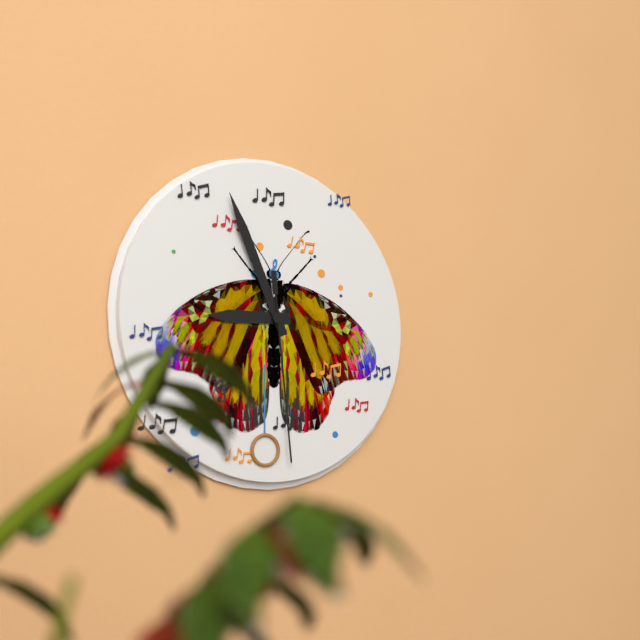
8:56:29
